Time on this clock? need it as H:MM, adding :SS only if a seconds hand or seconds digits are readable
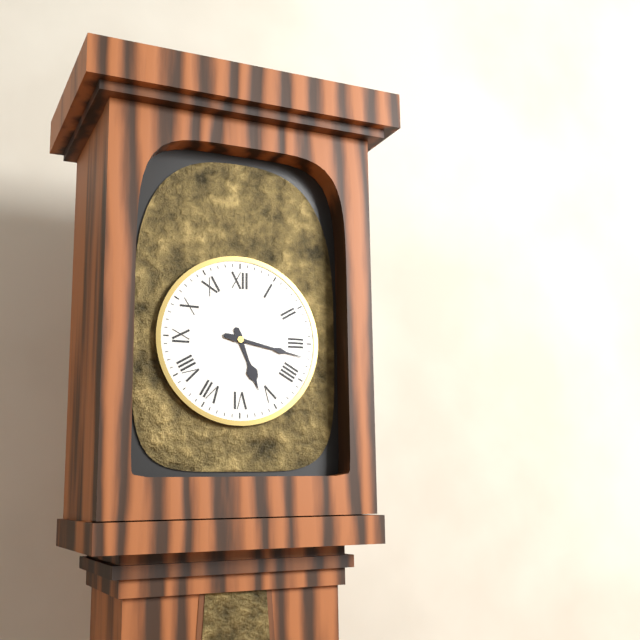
5:17
